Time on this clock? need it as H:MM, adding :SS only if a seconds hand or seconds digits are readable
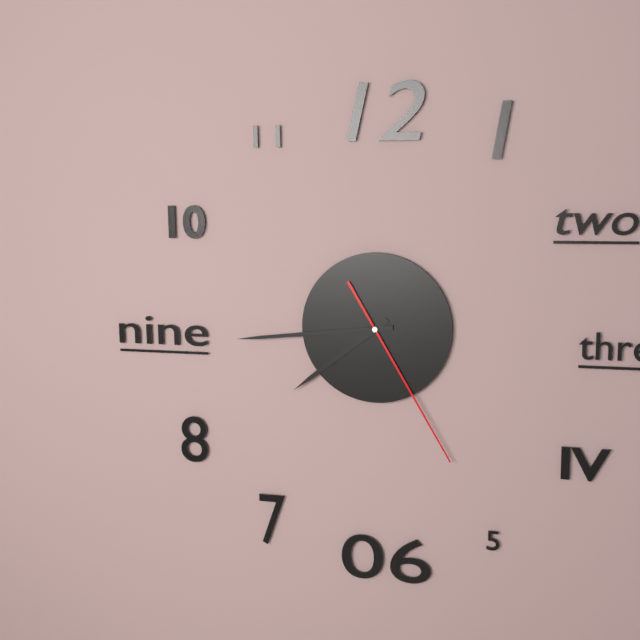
7:44:25
